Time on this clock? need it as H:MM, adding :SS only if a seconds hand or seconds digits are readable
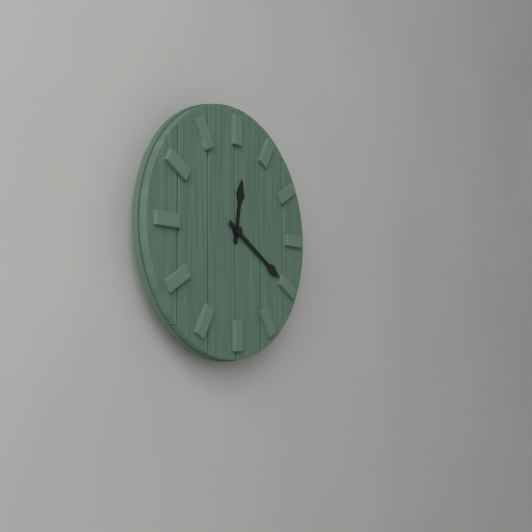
12:20
